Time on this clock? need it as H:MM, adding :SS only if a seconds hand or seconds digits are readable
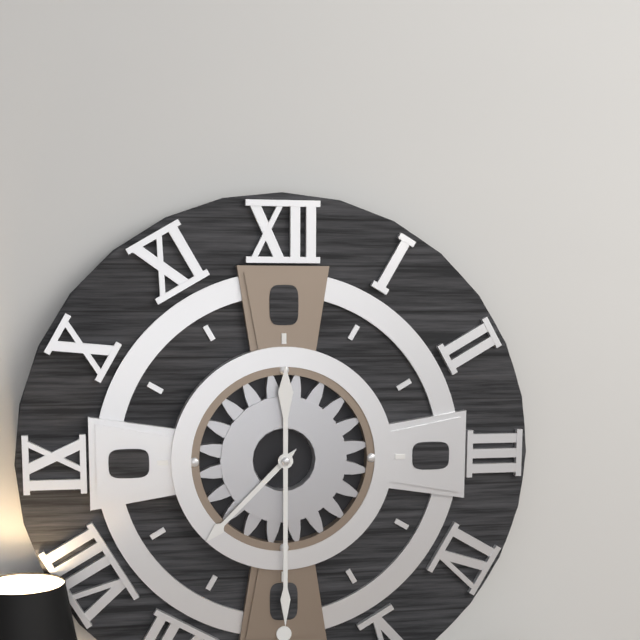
7:30
